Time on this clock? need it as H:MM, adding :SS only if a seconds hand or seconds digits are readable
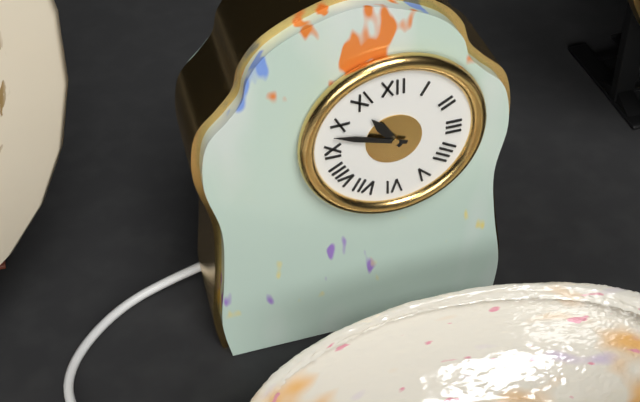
10:48
